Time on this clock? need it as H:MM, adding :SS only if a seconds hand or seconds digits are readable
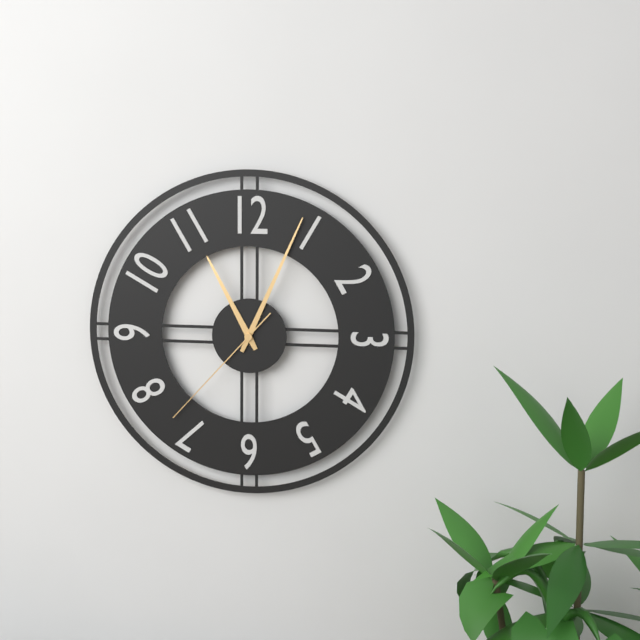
11:04:37
